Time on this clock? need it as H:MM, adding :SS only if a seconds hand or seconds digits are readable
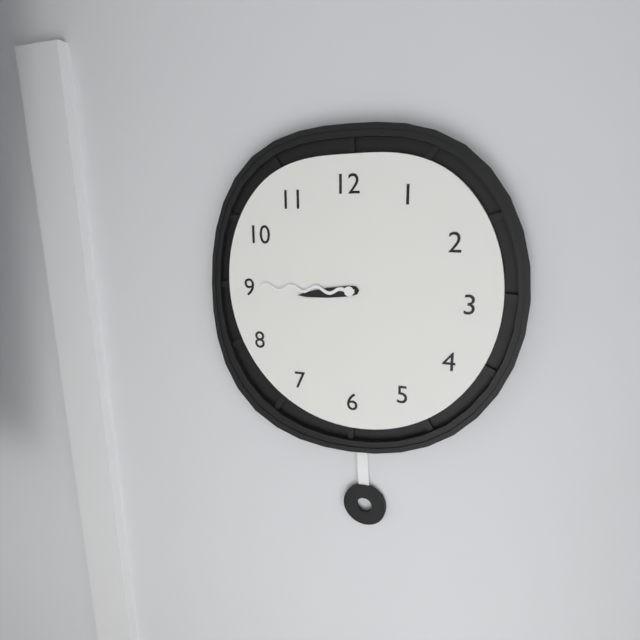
8:45
